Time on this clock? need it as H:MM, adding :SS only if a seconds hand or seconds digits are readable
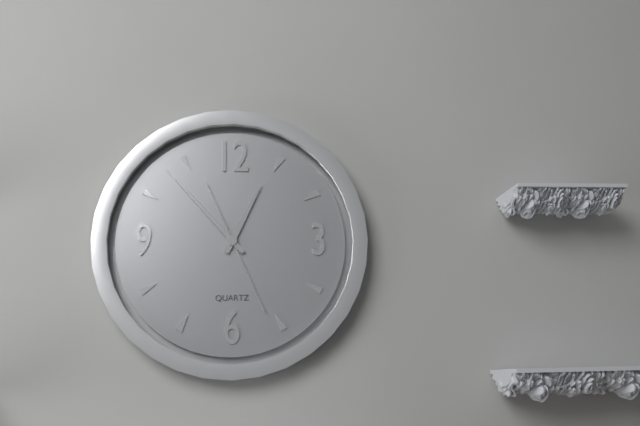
12:53:26
